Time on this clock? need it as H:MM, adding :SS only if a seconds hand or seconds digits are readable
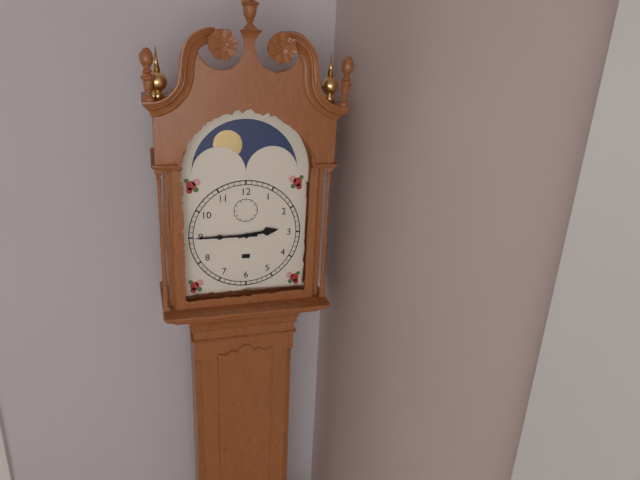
2:45
